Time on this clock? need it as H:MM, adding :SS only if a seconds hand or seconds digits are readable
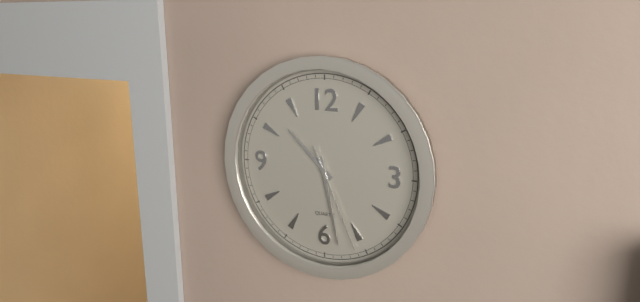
10:28:26
